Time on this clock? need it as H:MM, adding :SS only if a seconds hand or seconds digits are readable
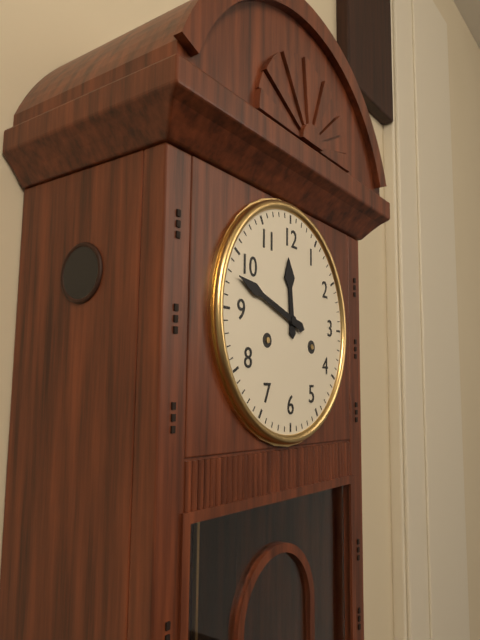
11:48
